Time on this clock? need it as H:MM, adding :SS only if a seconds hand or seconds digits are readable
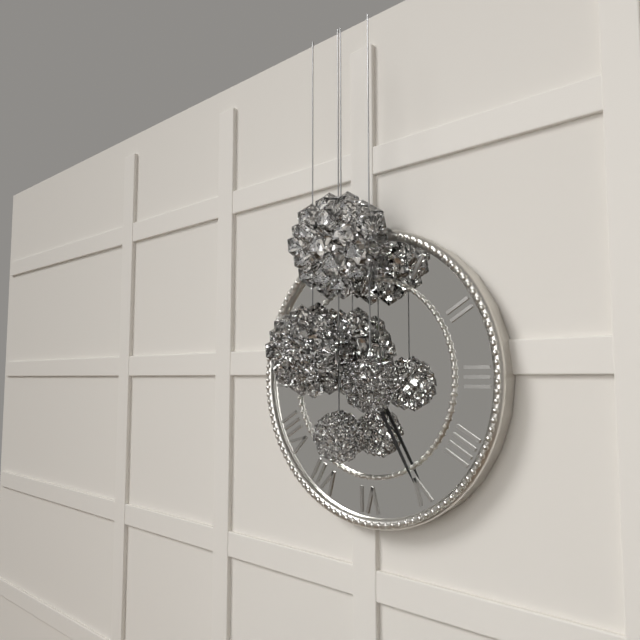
10:25
